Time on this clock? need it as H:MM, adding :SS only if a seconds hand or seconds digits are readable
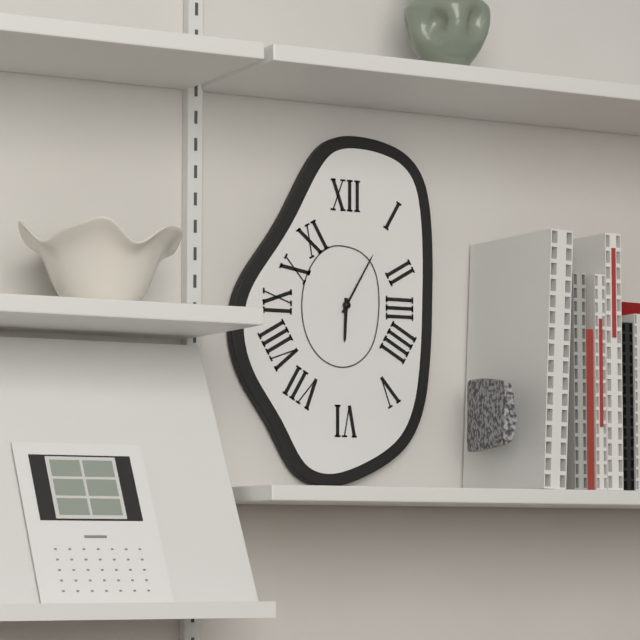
6:05
